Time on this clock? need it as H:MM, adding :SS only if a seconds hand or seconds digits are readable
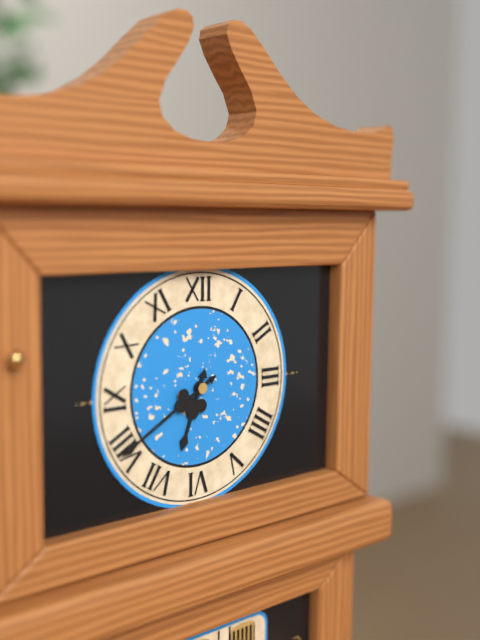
6:40
